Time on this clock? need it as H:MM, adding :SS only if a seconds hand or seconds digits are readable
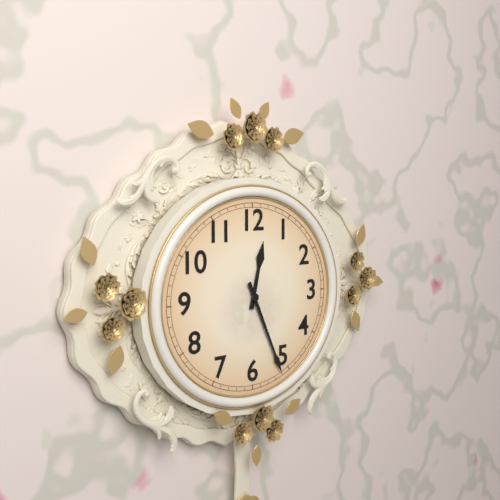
12:26
